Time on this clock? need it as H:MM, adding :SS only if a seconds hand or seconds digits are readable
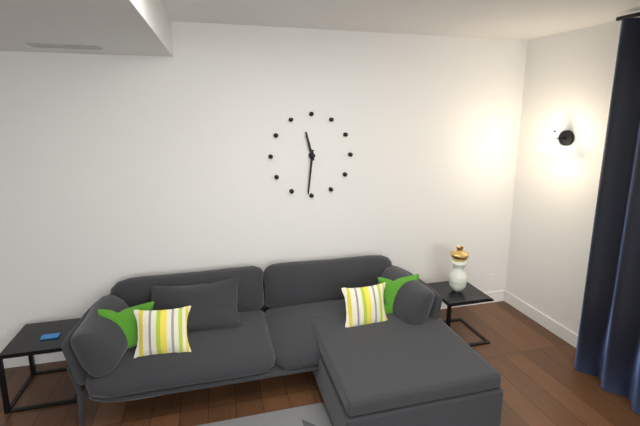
11:31
